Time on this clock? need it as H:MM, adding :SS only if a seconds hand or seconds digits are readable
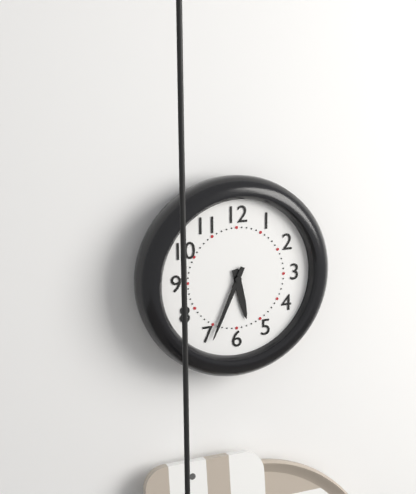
5:34
